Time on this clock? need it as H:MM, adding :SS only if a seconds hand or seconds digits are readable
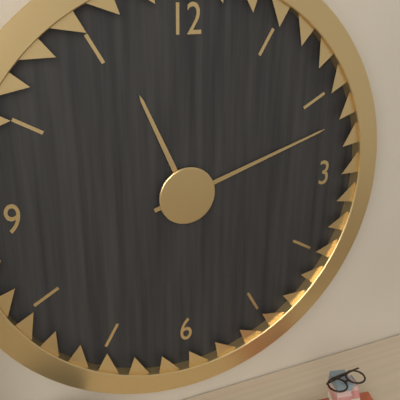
11:12
